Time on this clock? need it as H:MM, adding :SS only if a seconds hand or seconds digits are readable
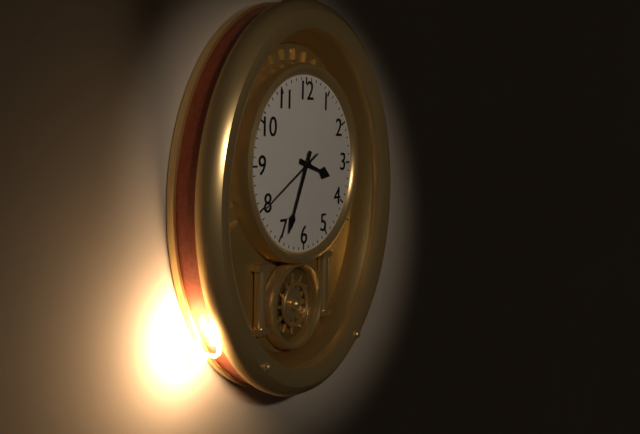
3:34:40
